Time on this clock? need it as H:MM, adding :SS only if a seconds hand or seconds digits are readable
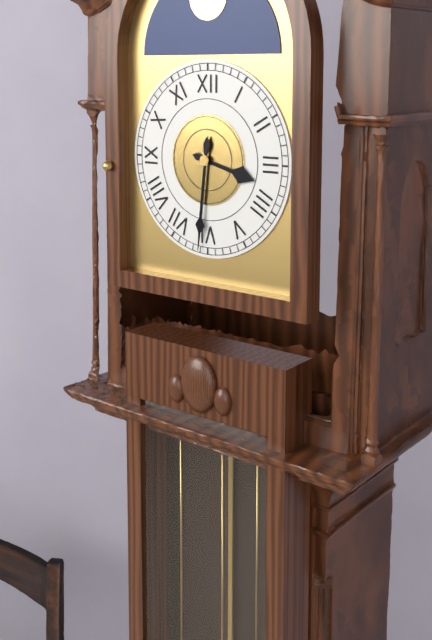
3:31
